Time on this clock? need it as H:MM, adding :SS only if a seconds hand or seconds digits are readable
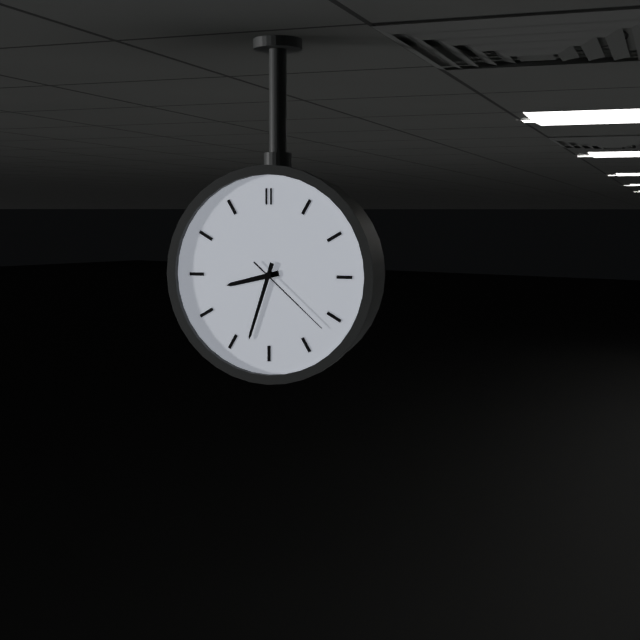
8:33:22
